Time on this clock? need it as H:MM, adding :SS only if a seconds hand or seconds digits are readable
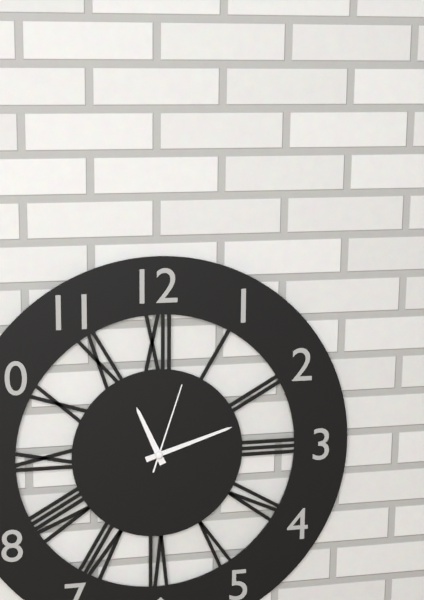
11:12:03
